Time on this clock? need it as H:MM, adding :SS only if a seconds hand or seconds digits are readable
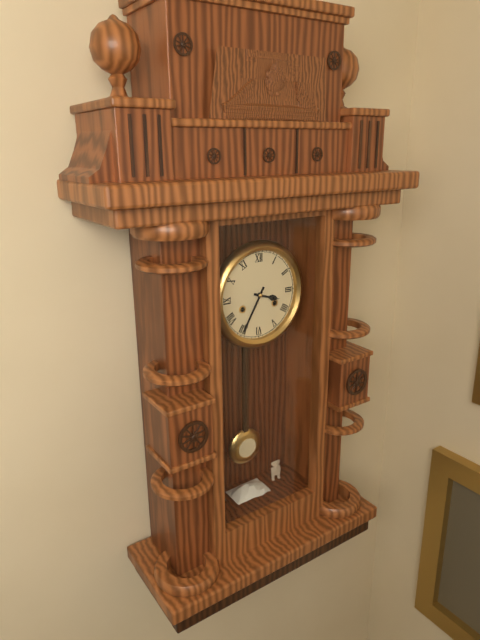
3:35
